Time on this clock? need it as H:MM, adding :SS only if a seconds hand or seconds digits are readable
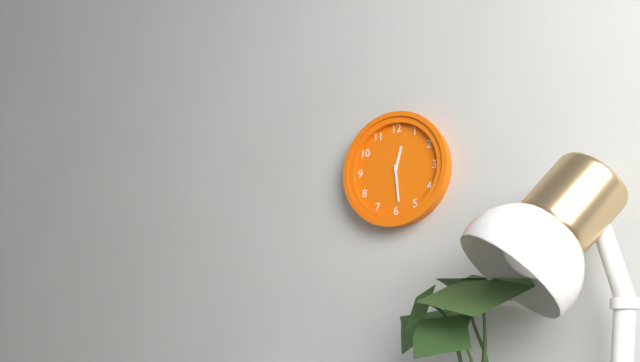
12:29
